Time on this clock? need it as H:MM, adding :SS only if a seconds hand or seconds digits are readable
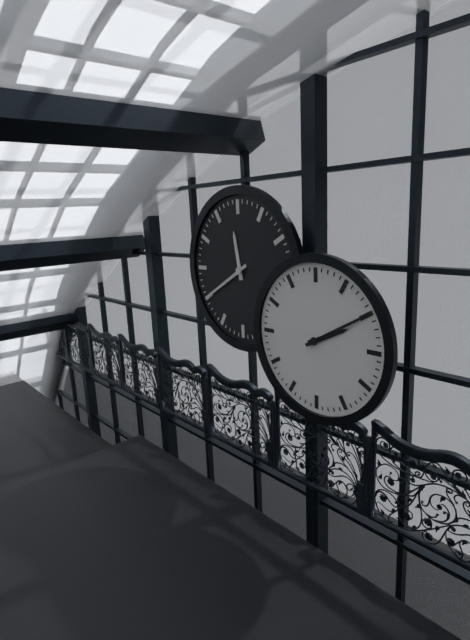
2:10
